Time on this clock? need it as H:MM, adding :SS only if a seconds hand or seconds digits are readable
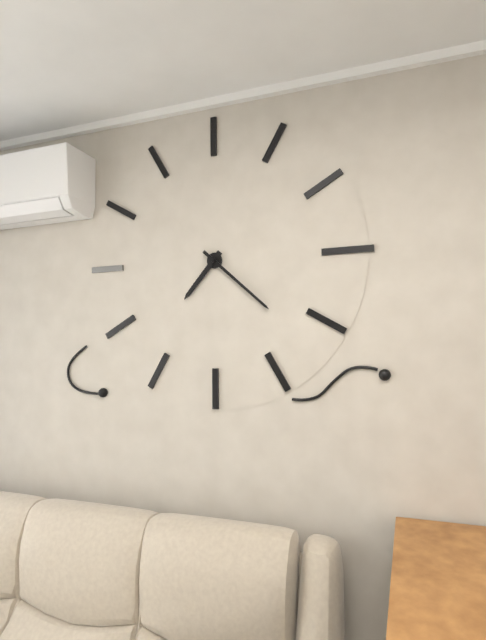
7:22
